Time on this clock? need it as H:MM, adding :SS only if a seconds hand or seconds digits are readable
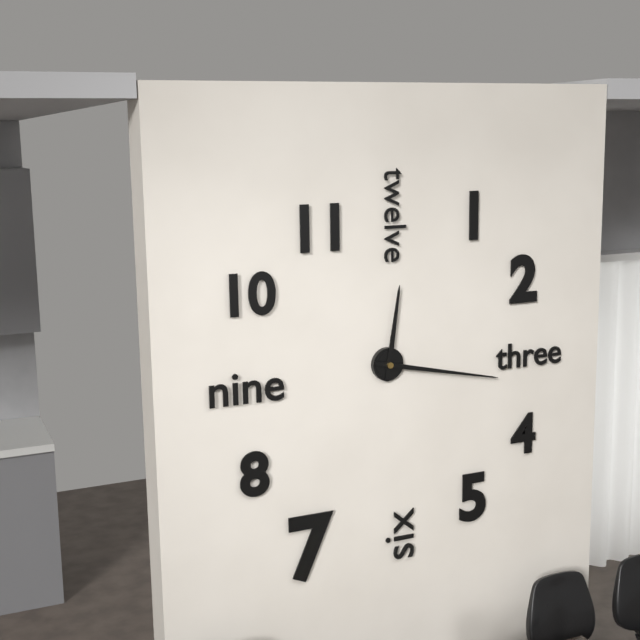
12:17
